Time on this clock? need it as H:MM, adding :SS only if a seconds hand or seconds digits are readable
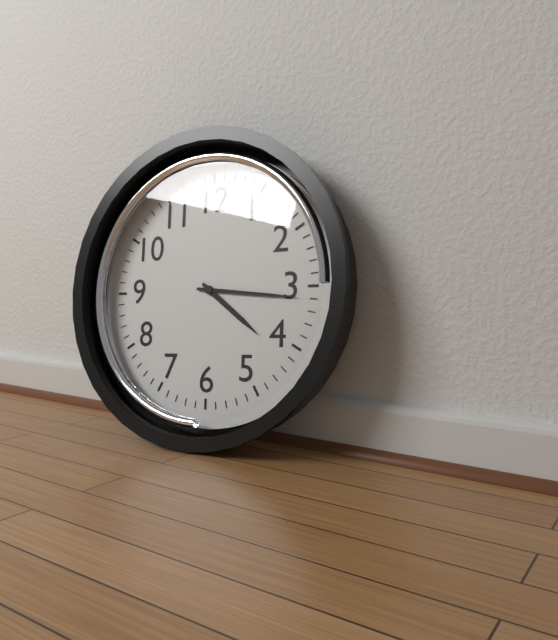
4:16
